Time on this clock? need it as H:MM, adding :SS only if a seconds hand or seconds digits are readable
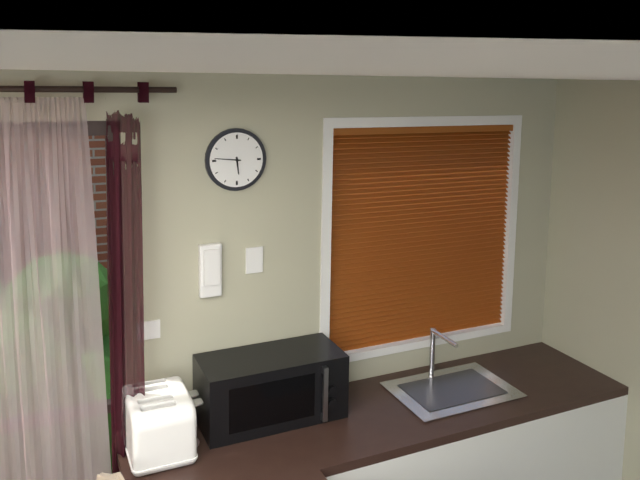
5:46
